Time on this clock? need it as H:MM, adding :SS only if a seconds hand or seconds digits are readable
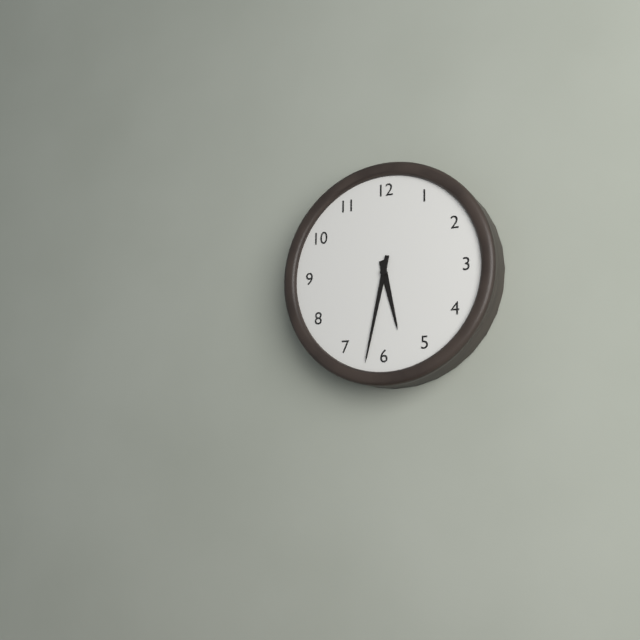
5:32
